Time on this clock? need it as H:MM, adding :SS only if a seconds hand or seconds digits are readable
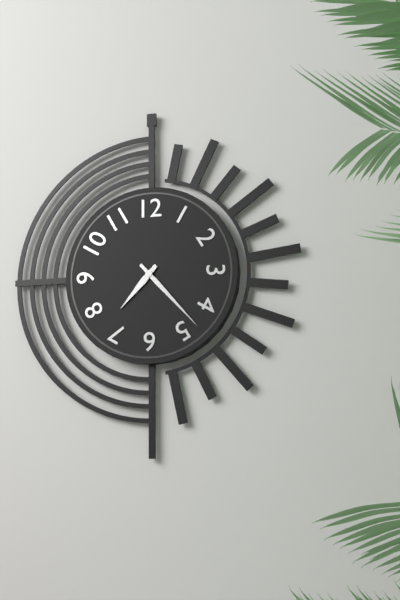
7:23
